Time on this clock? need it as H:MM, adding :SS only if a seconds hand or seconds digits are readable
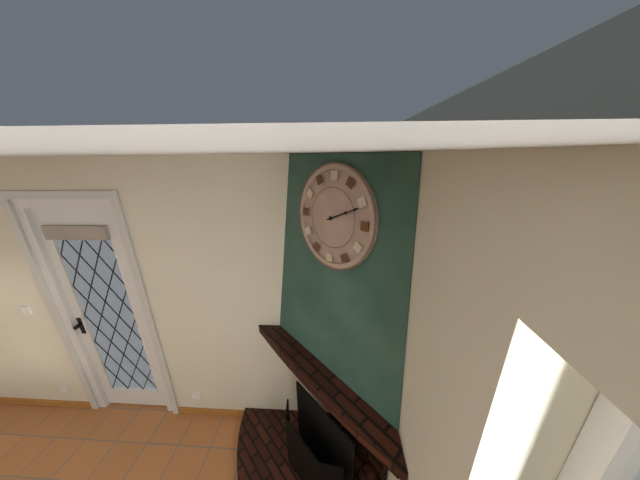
2:11
